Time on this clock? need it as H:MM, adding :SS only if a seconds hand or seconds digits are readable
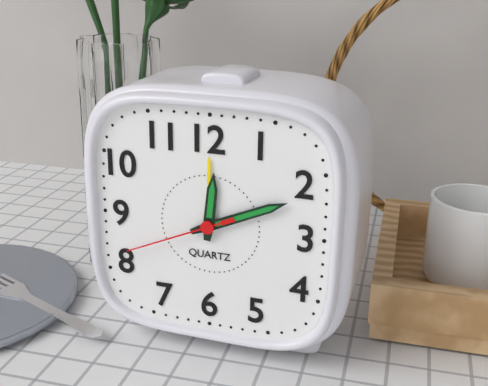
12:11:41
